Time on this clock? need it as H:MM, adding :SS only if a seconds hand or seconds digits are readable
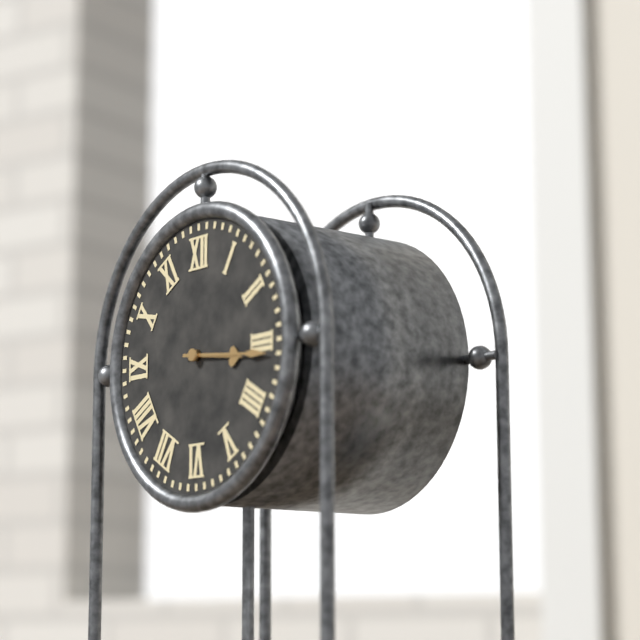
3:16
